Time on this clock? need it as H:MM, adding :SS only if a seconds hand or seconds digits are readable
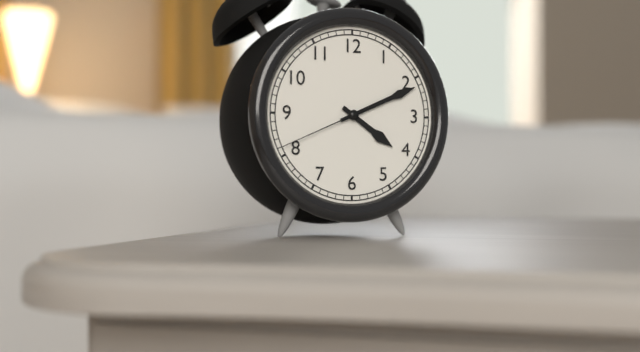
4:11:41
